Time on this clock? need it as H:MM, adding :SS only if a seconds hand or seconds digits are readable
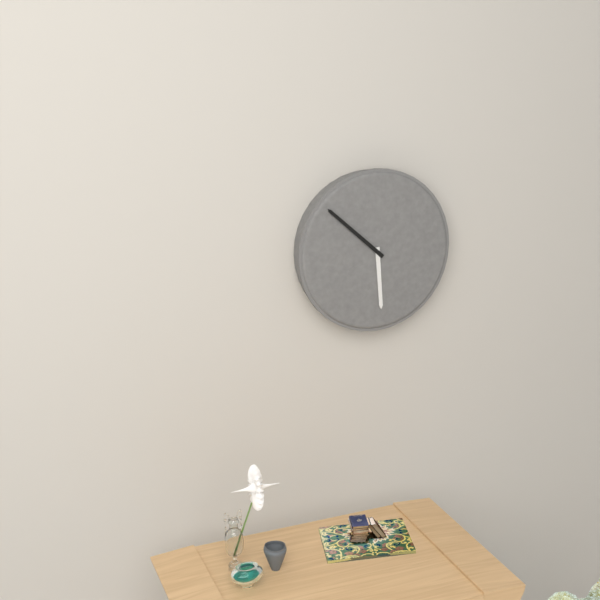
5:52
